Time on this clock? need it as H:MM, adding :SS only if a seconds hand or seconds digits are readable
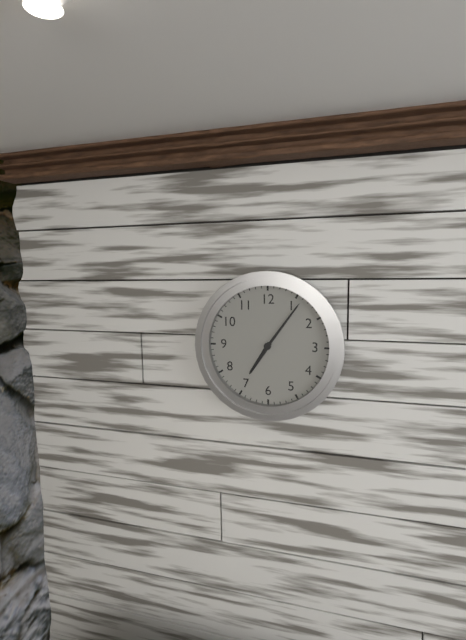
7:06
